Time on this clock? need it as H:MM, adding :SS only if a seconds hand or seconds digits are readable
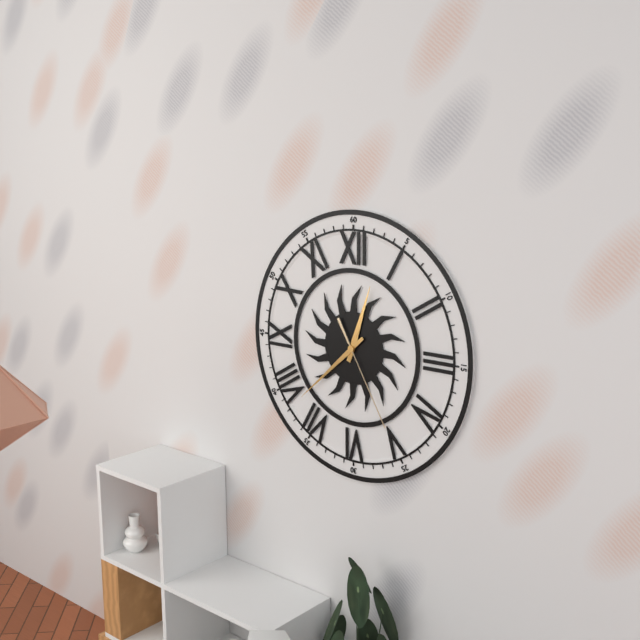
12:38:25
